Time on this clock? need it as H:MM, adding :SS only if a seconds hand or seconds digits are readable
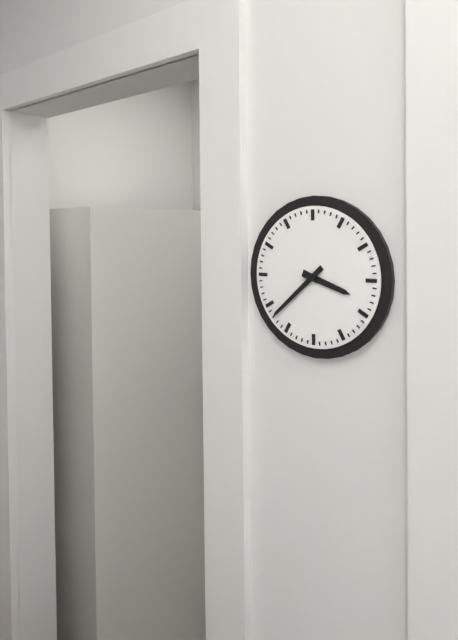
3:38
